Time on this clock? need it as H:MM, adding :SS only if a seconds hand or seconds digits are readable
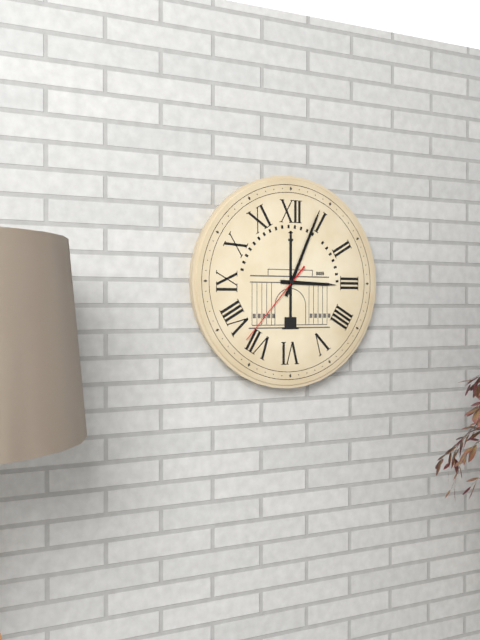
3:04:37
